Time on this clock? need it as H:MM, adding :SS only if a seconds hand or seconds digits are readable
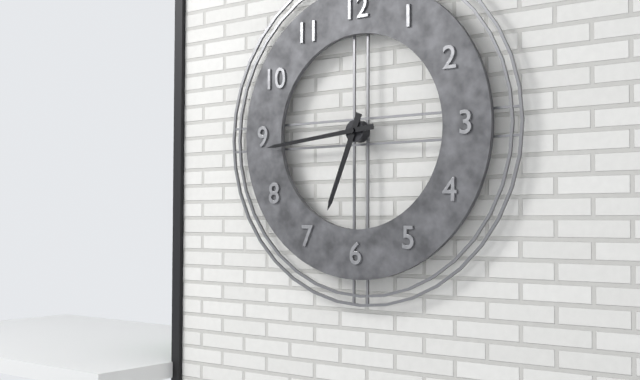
6:44
